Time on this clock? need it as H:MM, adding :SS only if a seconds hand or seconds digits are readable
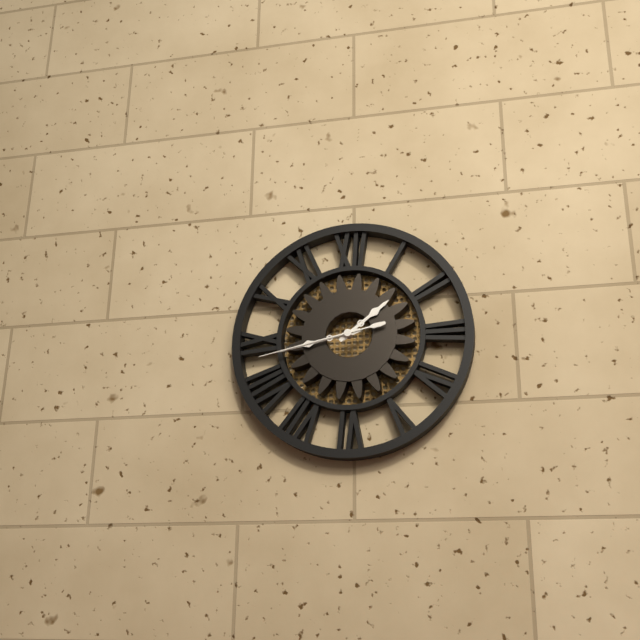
1:43:43
